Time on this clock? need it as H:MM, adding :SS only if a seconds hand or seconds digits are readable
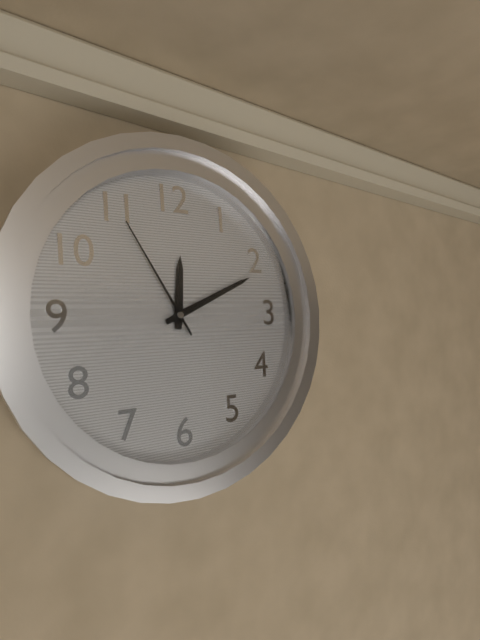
12:11:55
